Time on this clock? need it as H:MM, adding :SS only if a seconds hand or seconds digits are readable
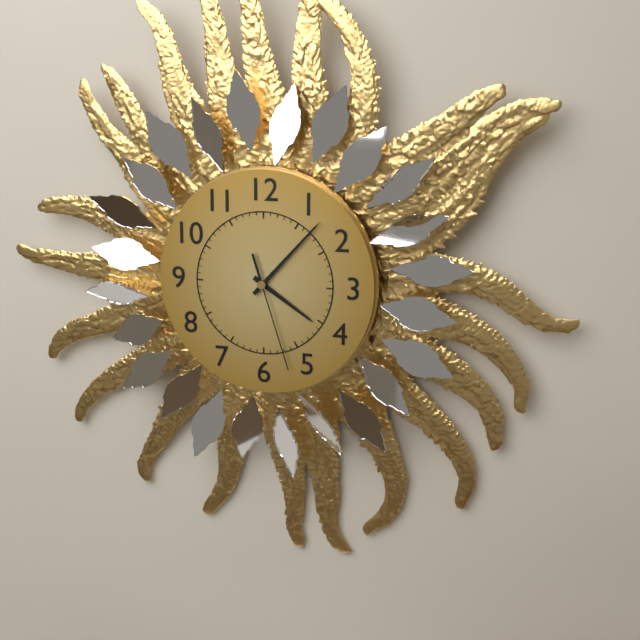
4:07:27
